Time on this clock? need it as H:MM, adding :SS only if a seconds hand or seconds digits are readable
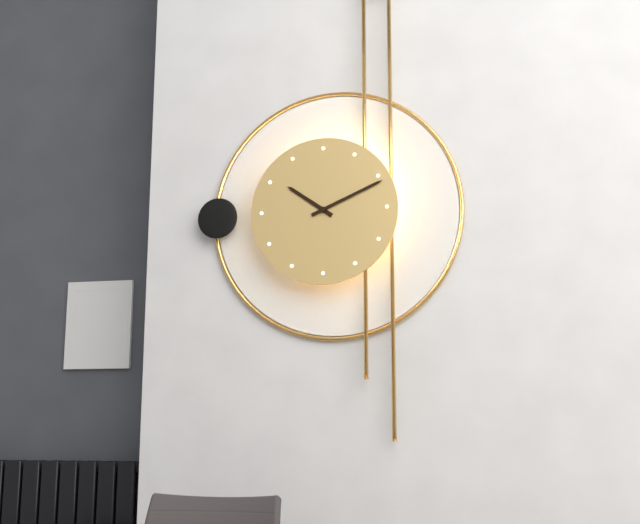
10:11
